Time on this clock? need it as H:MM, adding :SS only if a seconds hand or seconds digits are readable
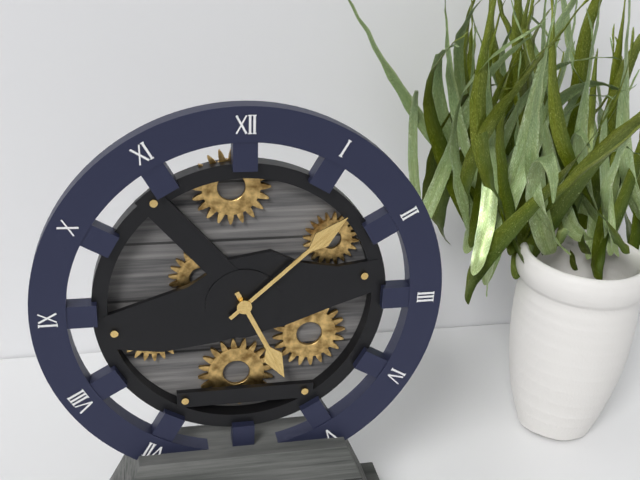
5:08
